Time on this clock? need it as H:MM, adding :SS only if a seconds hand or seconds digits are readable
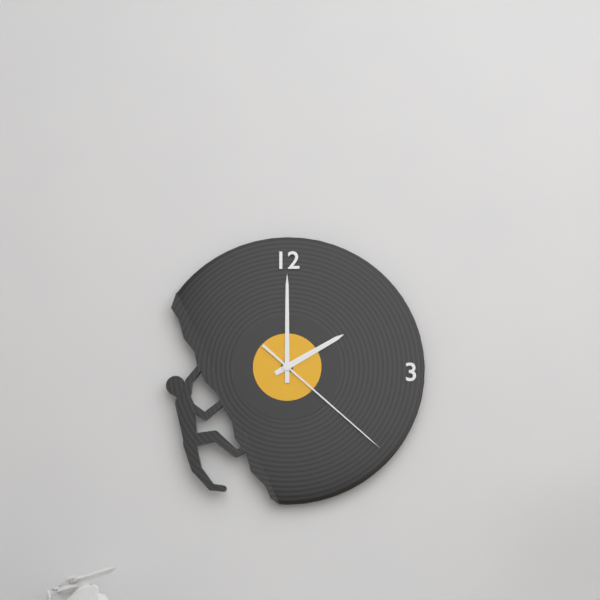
2:00:22
